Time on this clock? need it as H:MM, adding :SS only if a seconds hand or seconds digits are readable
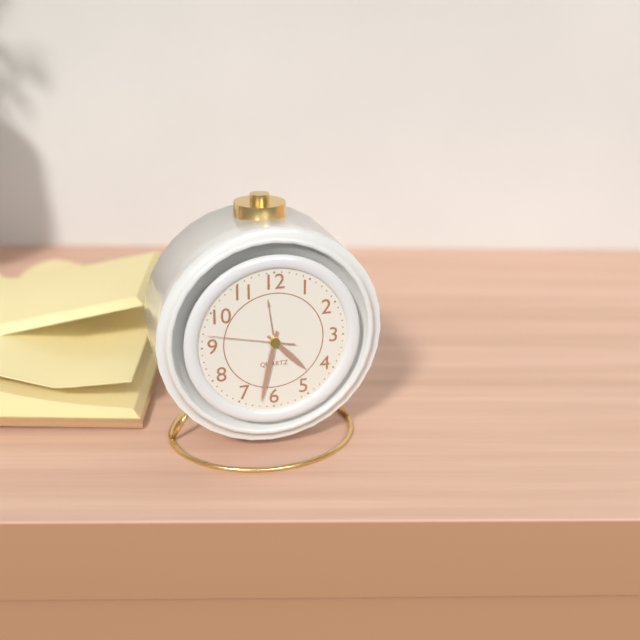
4:32:47
